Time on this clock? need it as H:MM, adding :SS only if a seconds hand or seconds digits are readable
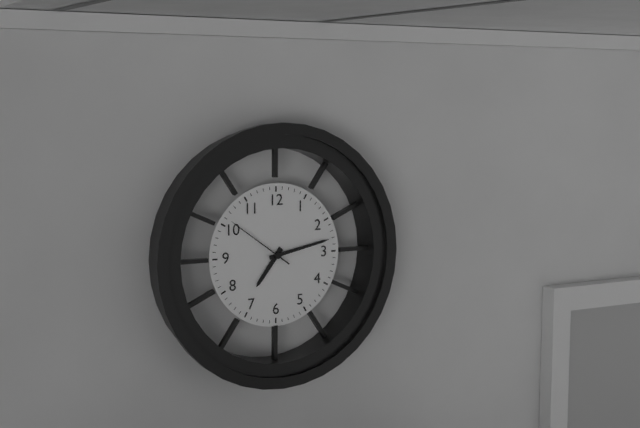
7:13:51
